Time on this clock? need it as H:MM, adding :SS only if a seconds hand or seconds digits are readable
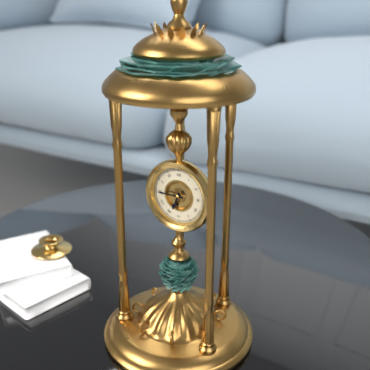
6:45
